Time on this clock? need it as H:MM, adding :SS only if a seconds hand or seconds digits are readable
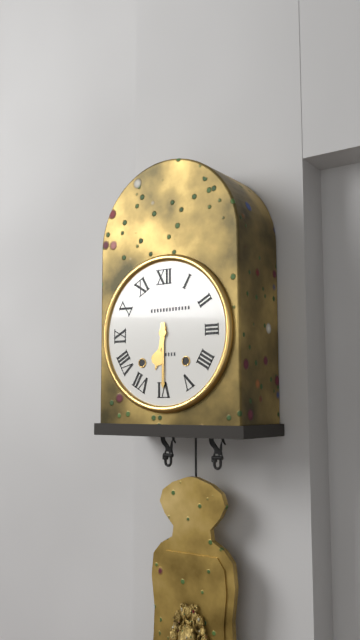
6:30
